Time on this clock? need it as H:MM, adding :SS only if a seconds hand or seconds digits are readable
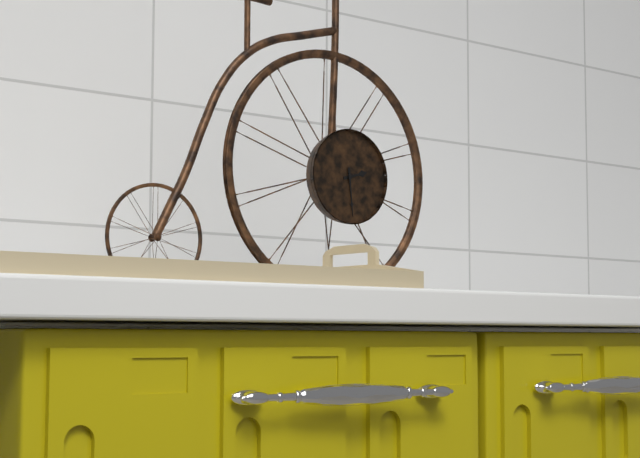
2:29
